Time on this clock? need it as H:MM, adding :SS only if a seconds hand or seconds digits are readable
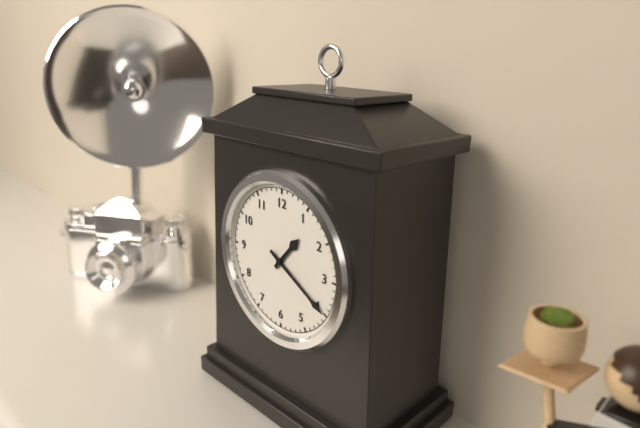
1:20
